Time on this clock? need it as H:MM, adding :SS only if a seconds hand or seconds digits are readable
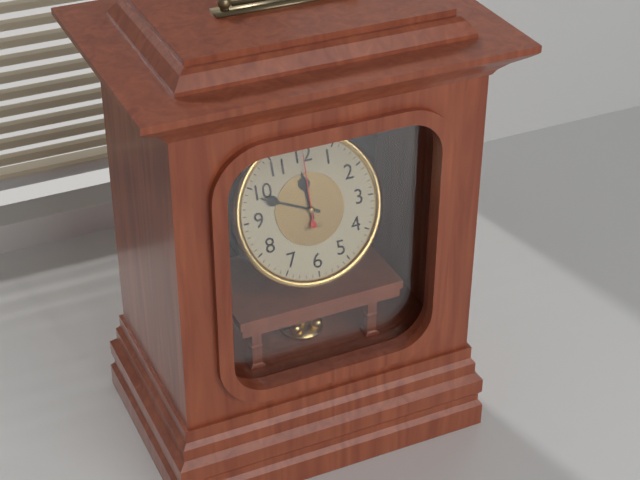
11:49:00
